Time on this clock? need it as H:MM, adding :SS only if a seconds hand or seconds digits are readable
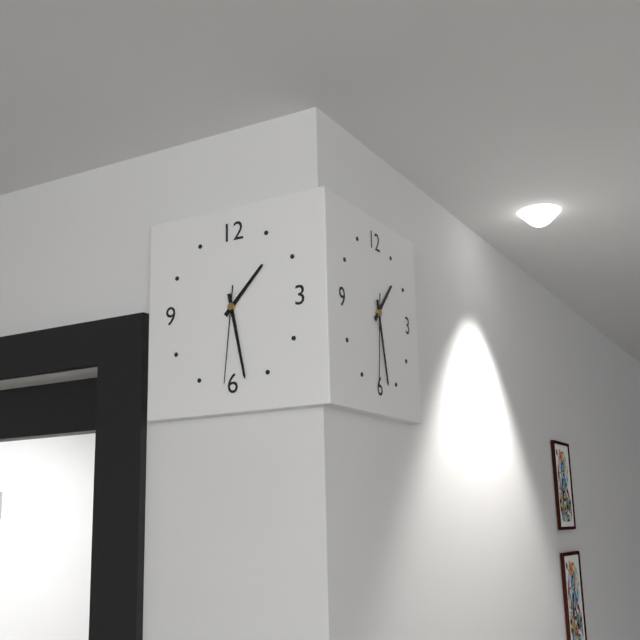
1:28:31
